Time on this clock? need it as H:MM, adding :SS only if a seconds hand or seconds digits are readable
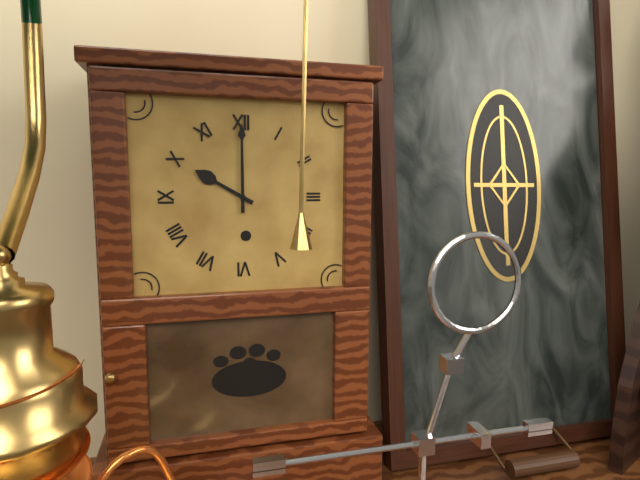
10:00
